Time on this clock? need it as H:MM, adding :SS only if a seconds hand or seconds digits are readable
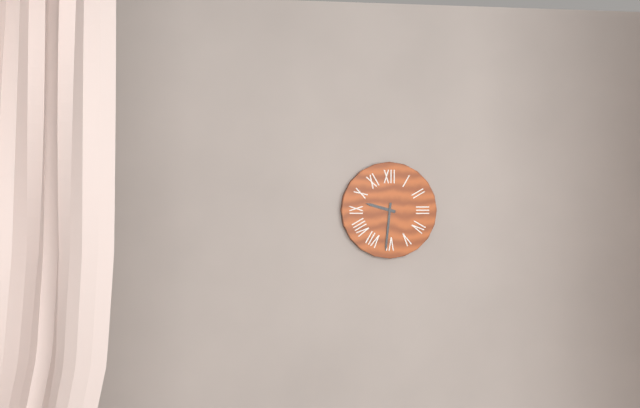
9:31
